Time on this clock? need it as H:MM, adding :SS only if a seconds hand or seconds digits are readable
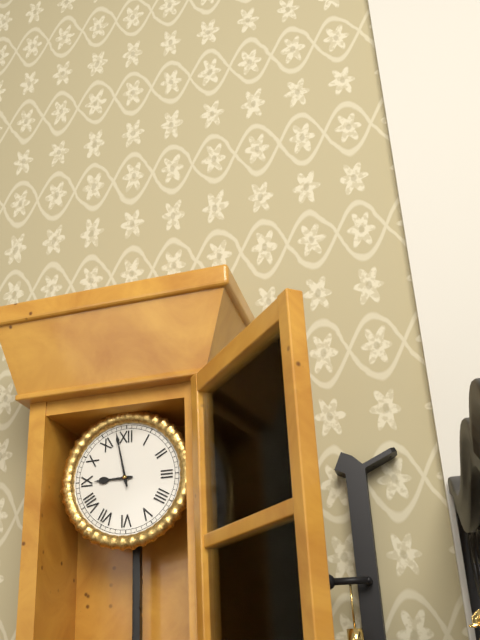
8:58
